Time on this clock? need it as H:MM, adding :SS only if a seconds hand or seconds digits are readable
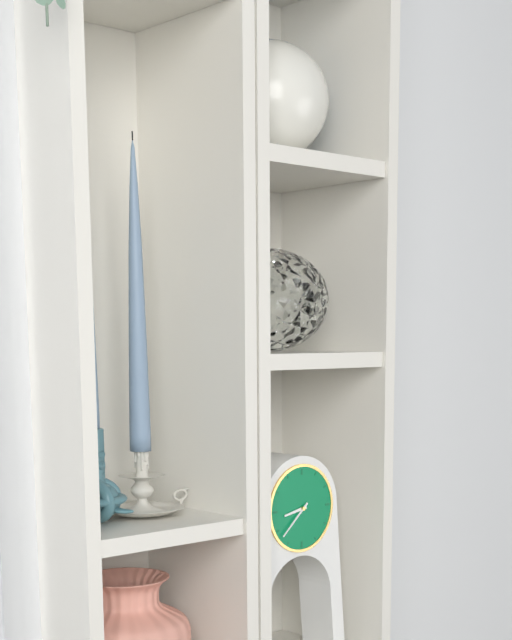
8:38
